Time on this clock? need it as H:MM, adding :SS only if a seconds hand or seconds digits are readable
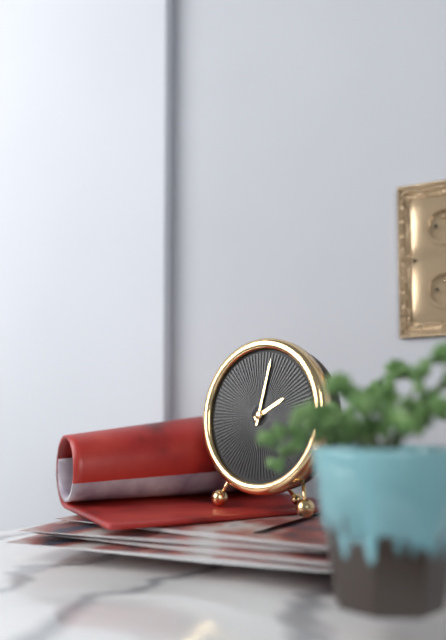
2:02
